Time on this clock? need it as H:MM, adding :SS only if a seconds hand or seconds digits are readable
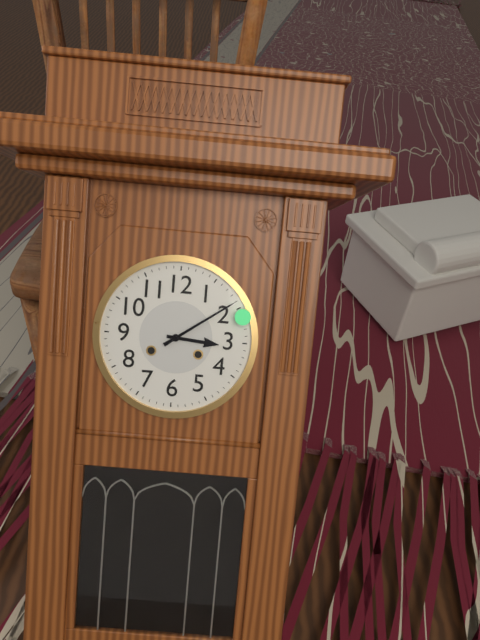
3:09
